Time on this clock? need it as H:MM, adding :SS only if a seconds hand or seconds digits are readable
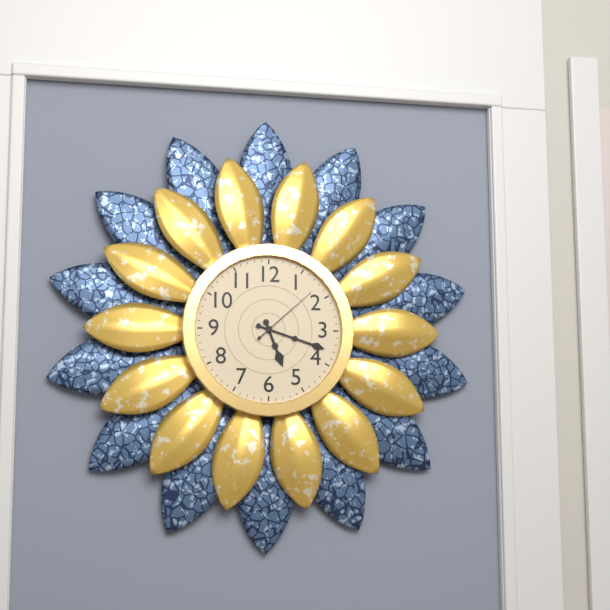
5:18:08
